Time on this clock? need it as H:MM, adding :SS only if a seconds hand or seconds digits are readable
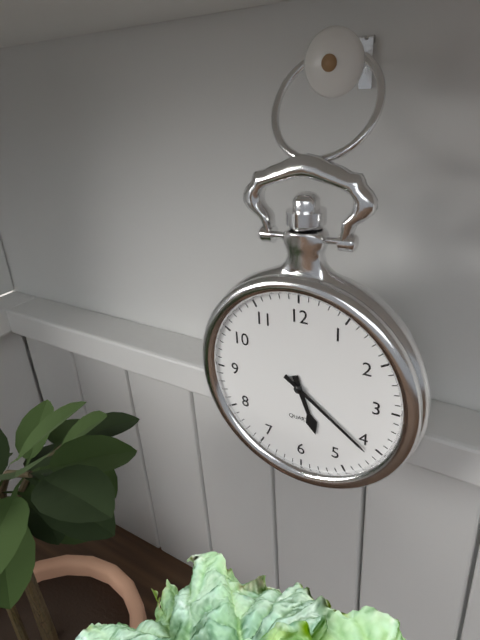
5:21
